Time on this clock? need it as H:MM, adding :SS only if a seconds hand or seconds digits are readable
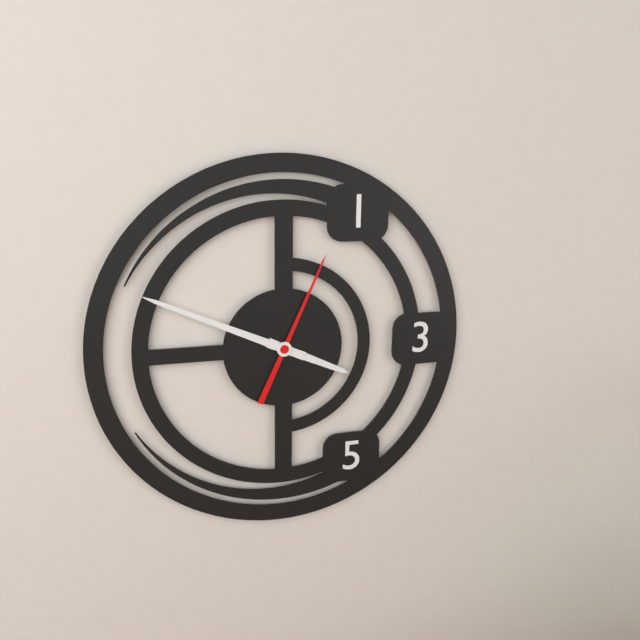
3:49:04
